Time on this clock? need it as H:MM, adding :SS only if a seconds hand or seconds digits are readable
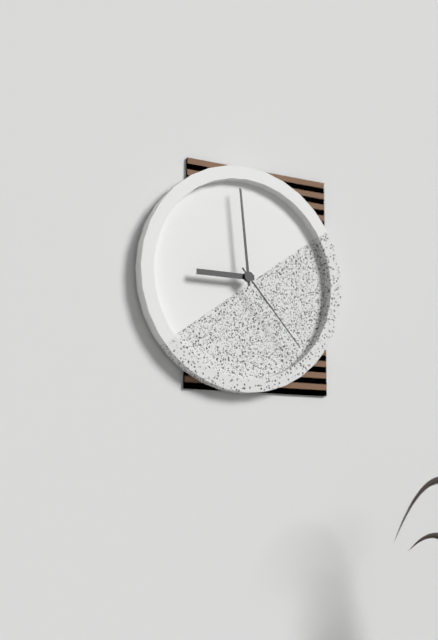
8:59:23
